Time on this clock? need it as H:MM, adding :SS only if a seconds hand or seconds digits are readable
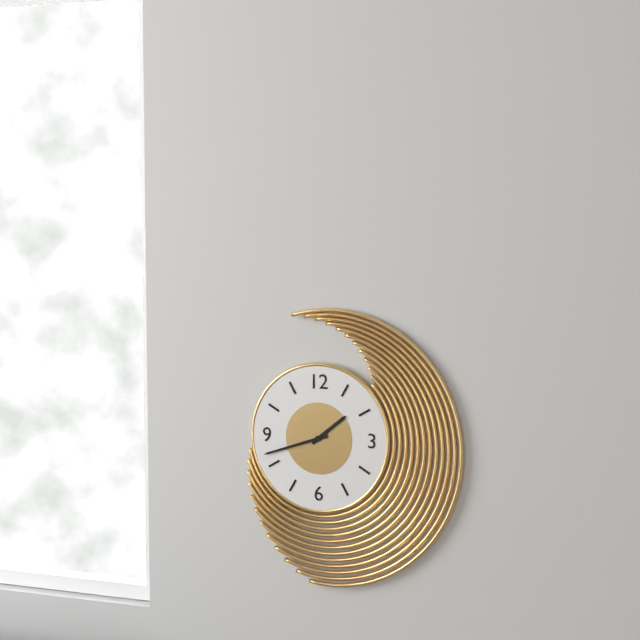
1:42
